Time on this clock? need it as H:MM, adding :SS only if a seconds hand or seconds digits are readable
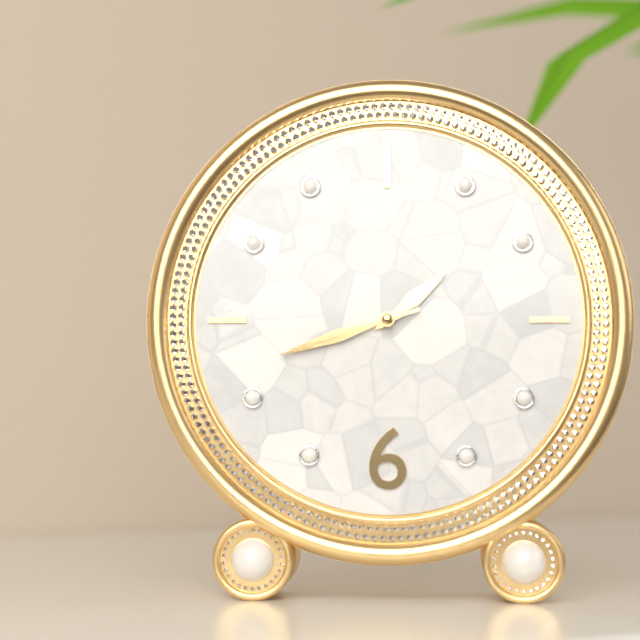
1:42:42
